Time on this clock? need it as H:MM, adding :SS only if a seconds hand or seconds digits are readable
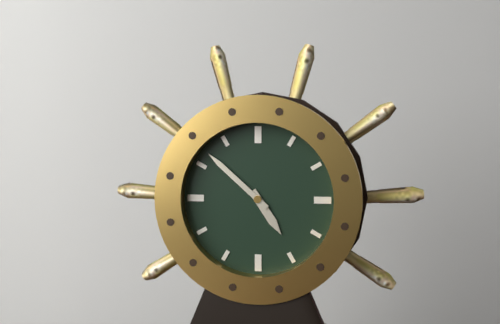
4:52
